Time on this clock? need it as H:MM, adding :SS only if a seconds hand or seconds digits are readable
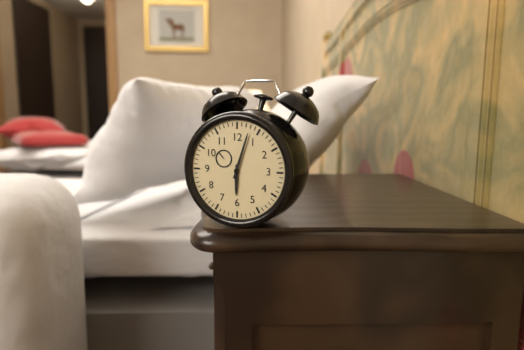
6:03
